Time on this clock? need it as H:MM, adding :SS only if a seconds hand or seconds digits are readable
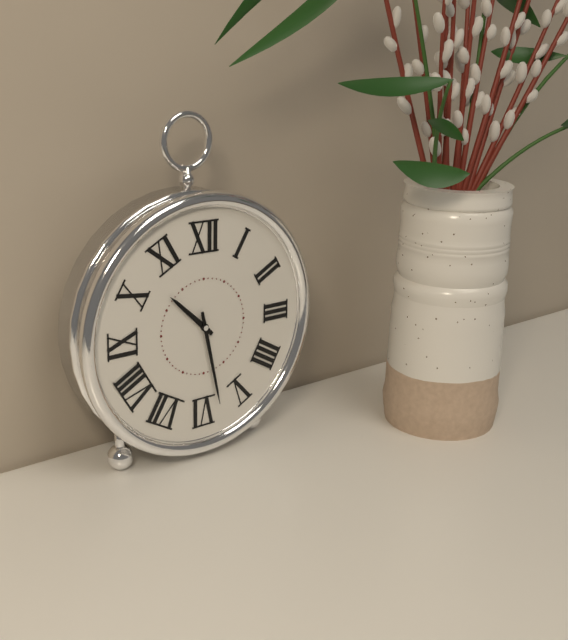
10:28
